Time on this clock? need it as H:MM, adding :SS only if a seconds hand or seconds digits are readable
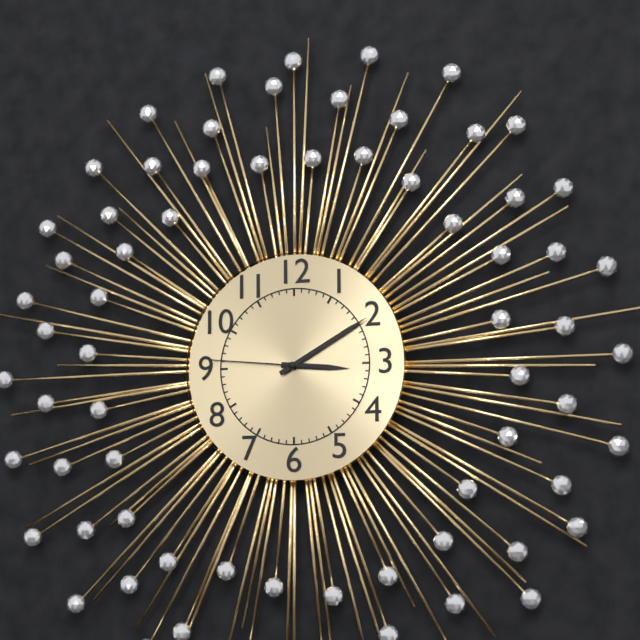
3:10:46
